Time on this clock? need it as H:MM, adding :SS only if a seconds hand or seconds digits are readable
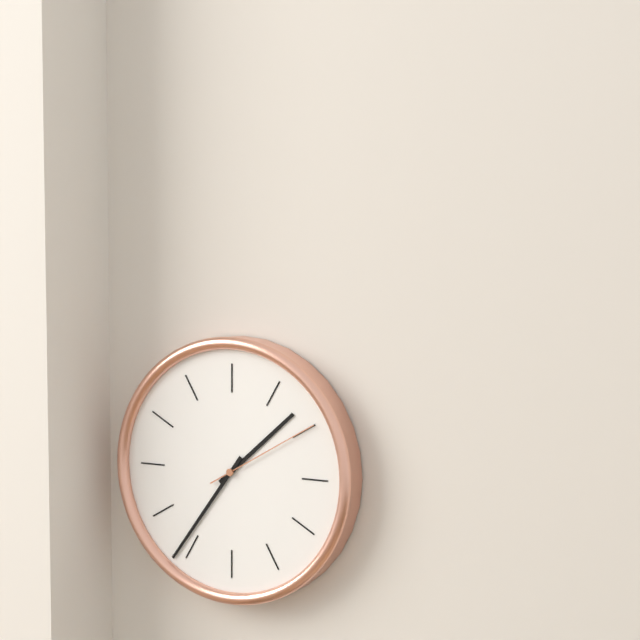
1:36:10
